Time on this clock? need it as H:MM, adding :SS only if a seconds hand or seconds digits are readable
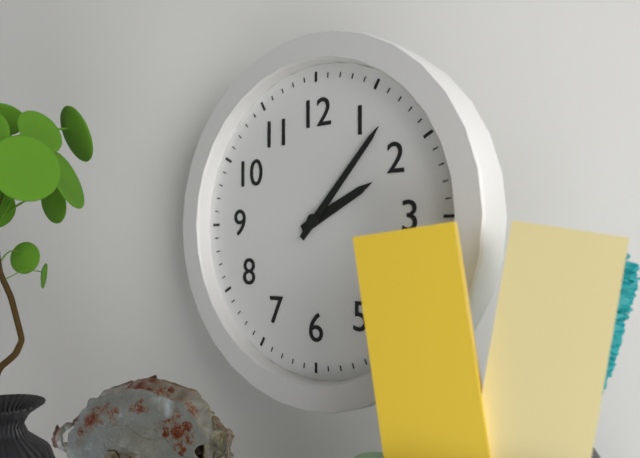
2:07
